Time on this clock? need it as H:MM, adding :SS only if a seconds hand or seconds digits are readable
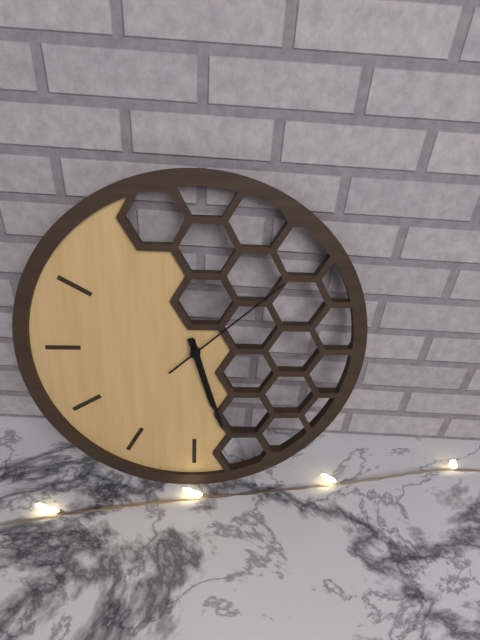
5:27:08
